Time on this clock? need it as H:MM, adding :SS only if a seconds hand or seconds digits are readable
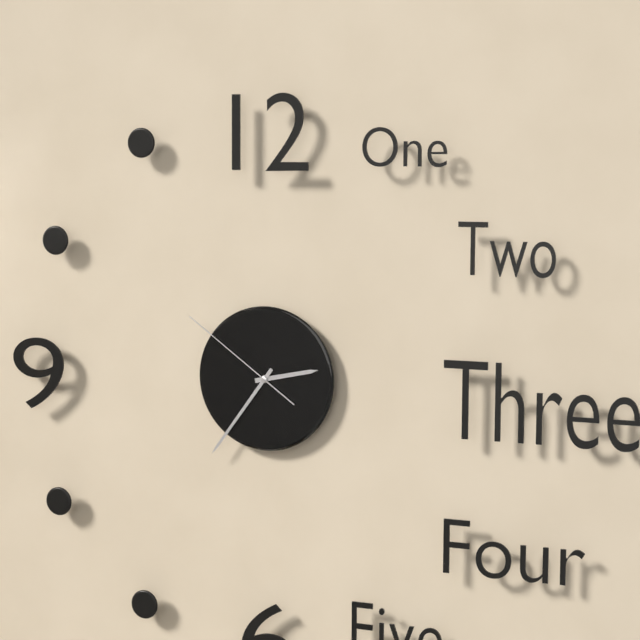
2:36:51
